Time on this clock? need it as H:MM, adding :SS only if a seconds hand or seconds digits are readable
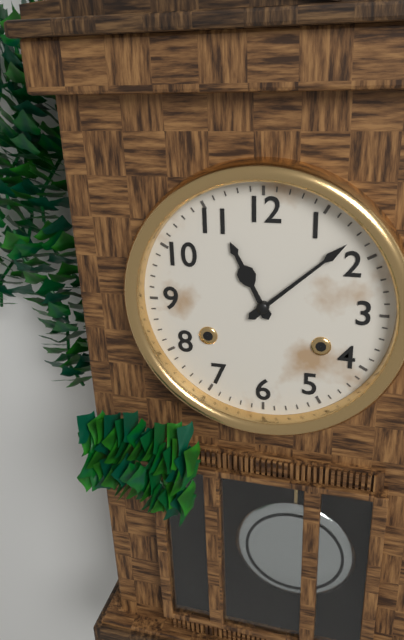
11:08
